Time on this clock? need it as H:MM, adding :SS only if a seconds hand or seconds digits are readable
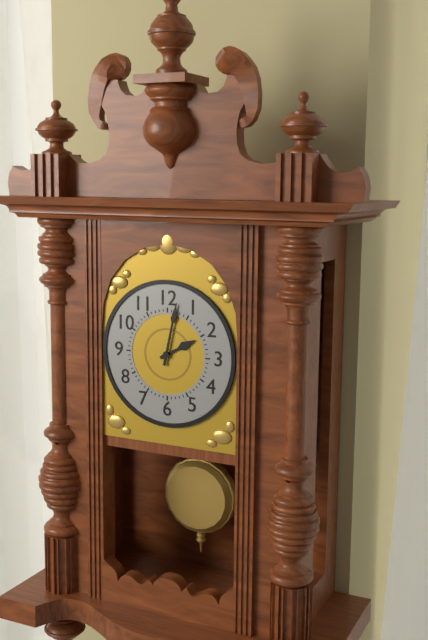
2:02
